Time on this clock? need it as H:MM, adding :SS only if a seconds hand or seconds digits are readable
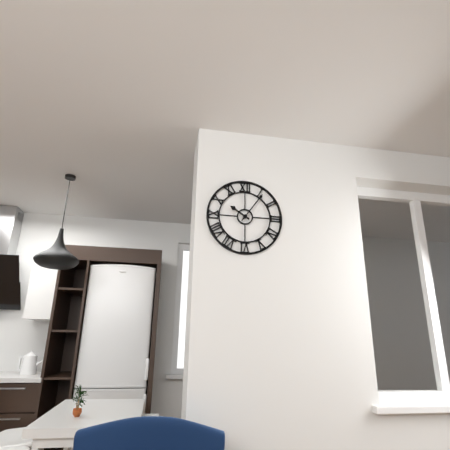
10:06
